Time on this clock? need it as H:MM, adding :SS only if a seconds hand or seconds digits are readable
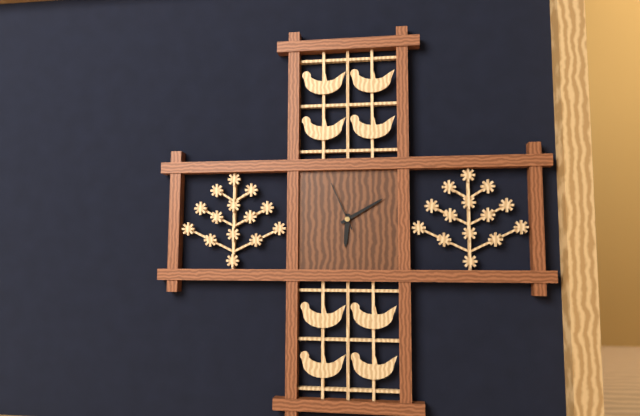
6:10:56
